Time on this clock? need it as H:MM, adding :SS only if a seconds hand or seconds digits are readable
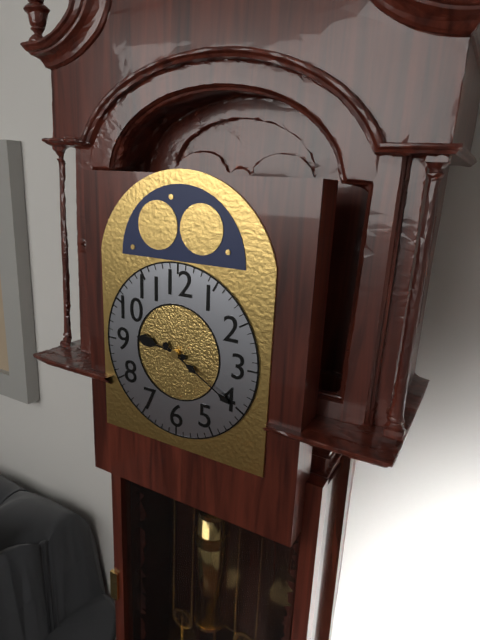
9:20
